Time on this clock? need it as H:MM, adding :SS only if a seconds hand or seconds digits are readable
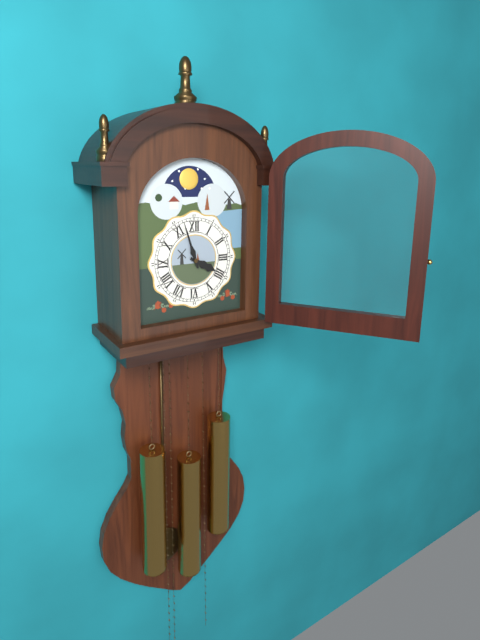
3:57
